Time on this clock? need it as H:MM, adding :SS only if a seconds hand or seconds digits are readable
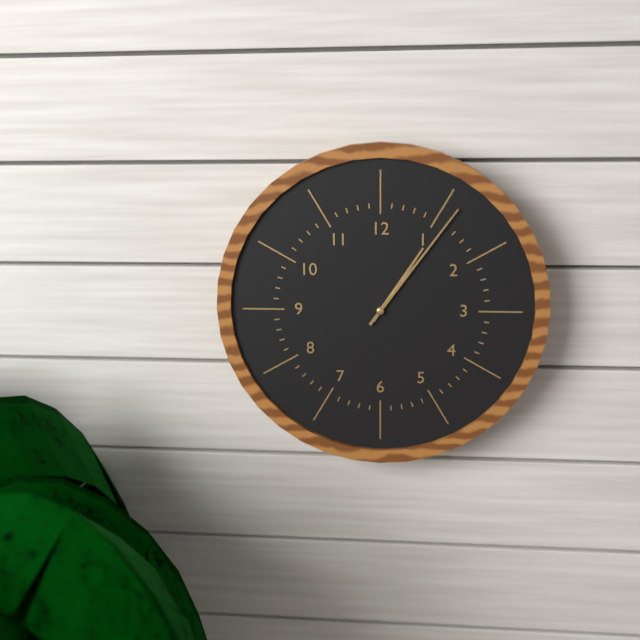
1:06
